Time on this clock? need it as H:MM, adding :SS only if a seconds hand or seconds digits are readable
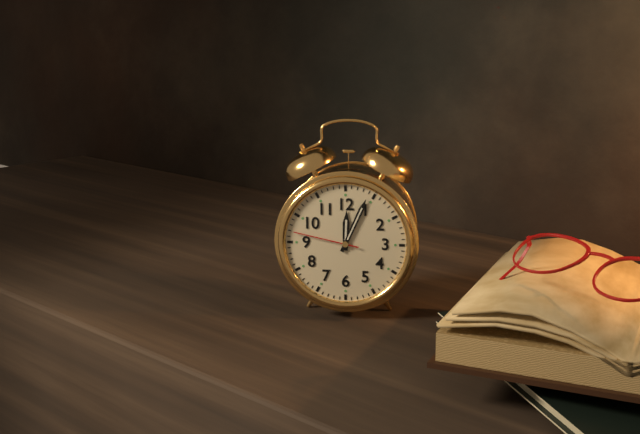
12:04:47
